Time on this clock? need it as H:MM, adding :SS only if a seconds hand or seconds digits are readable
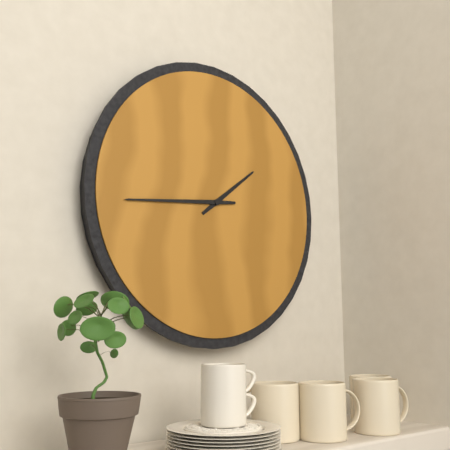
1:44
